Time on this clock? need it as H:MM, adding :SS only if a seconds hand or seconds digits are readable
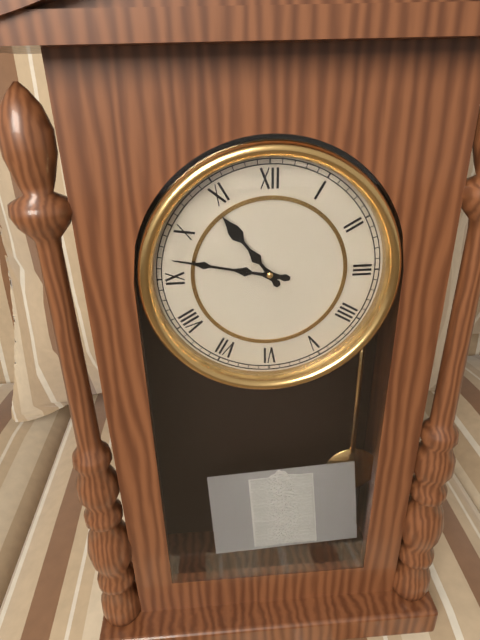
10:47
